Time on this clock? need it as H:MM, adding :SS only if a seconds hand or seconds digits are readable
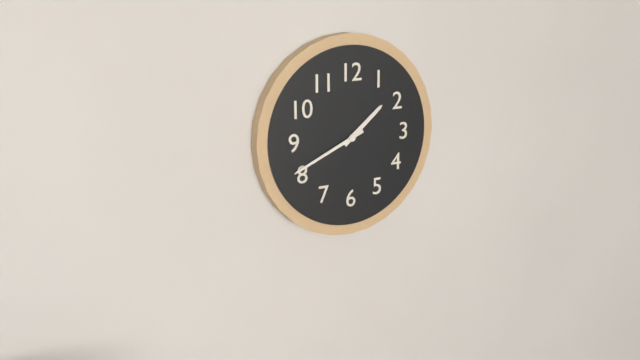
1:41
